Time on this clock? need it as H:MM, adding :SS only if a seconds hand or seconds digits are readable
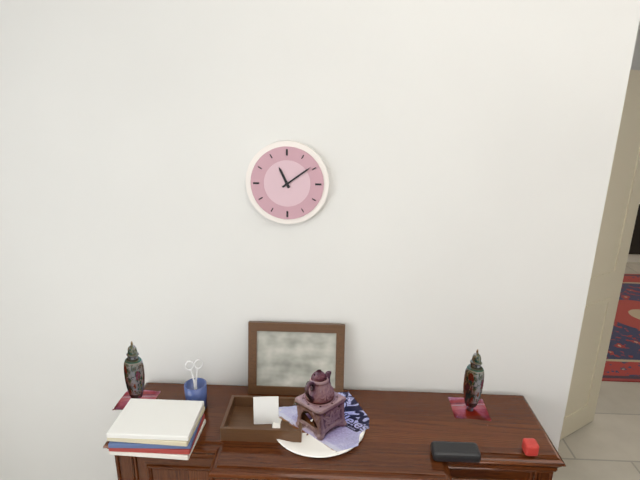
11:09
